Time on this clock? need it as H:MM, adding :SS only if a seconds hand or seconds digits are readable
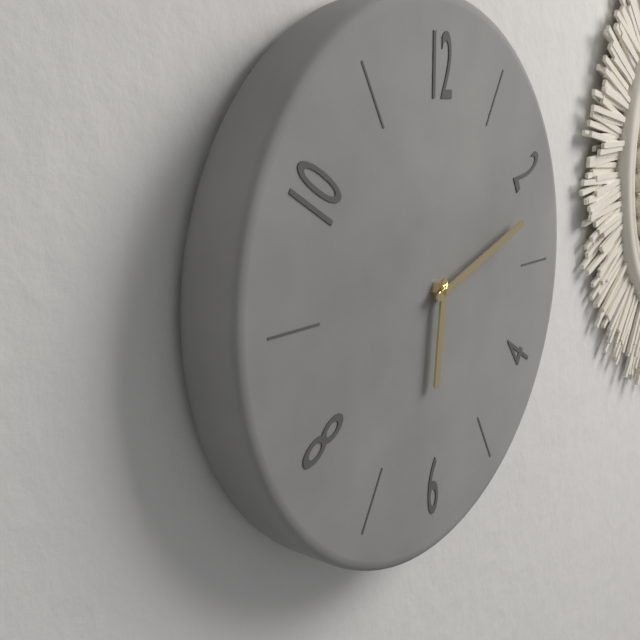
6:12
